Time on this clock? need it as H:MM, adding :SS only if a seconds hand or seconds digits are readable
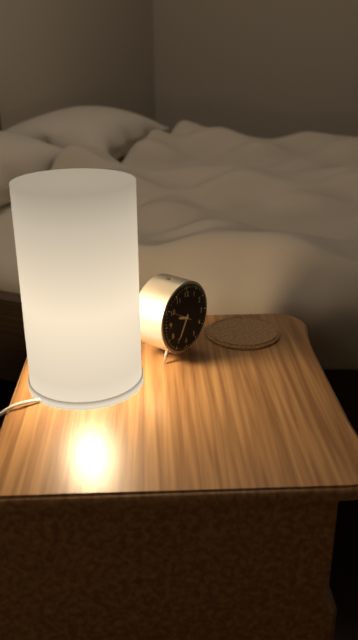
9:35
